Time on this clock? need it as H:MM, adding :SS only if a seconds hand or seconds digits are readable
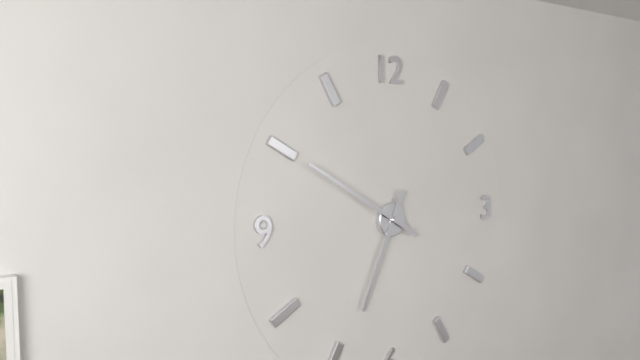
6:50
